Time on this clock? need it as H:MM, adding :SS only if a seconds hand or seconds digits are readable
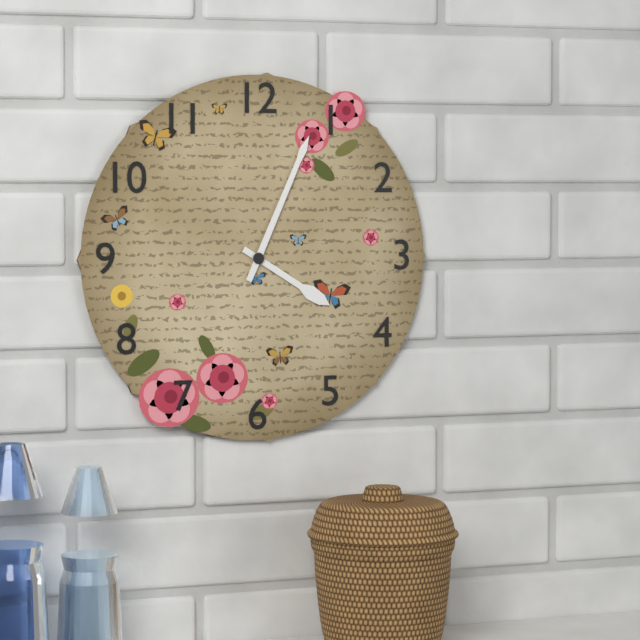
4:04
